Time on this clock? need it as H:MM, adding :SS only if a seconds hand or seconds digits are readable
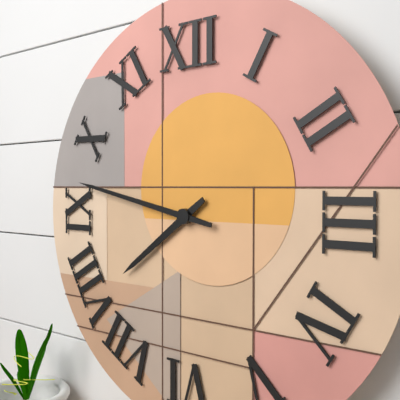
7:47
